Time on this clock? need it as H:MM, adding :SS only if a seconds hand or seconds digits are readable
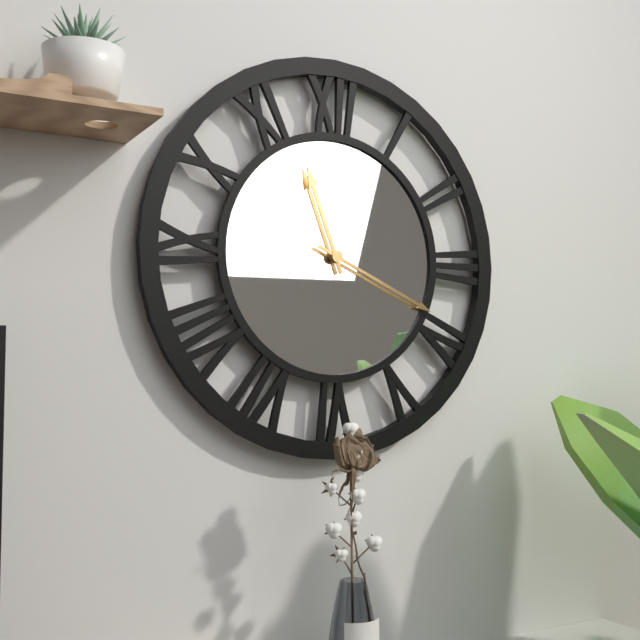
11:19
